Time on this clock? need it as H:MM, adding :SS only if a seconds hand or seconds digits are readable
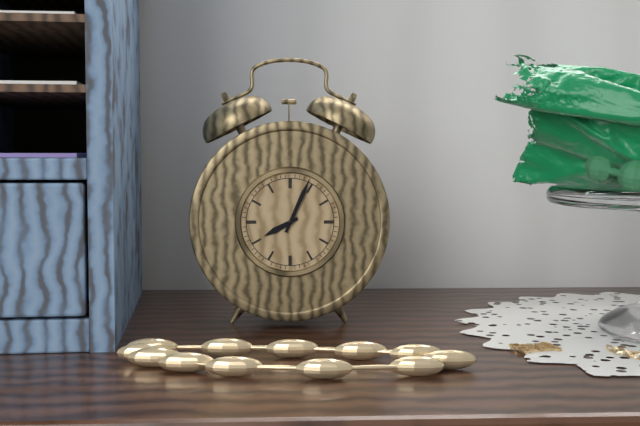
8:04
